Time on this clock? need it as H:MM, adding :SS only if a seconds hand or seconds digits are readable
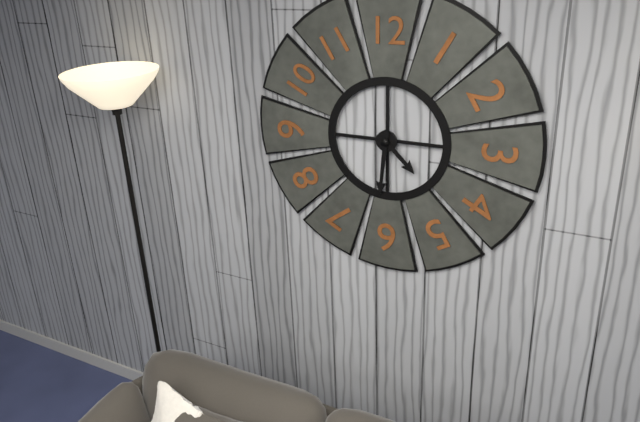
4:31
